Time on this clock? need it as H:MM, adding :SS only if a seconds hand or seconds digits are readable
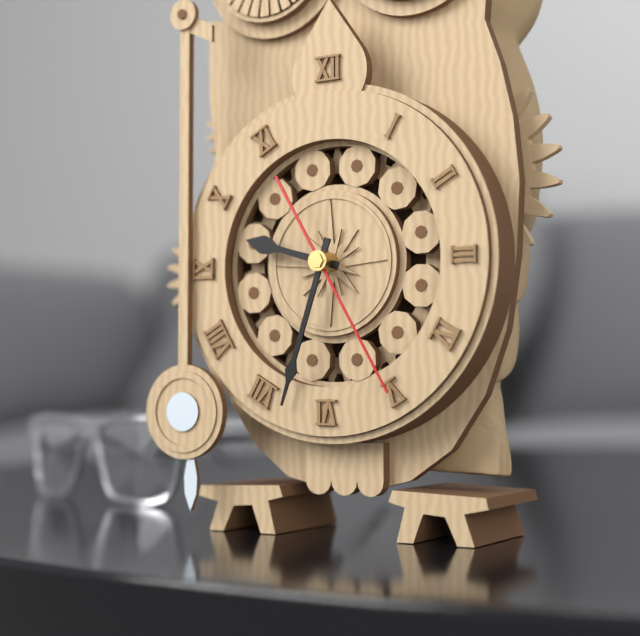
9:33:25
